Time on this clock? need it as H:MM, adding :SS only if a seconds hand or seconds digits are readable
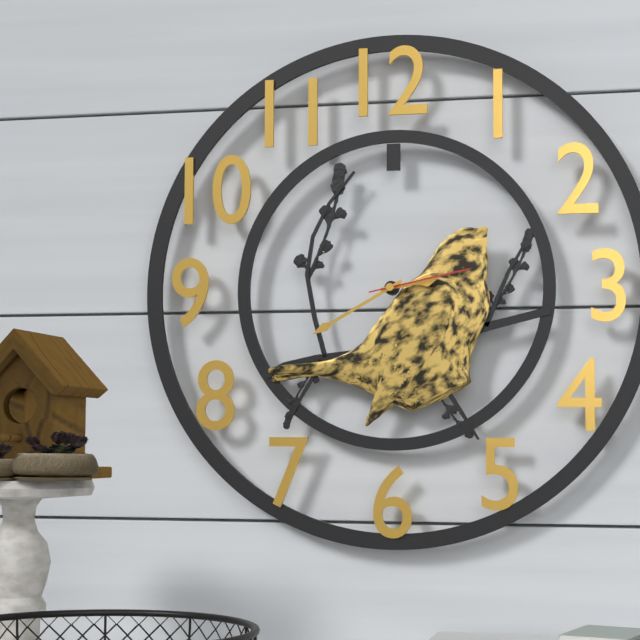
2:40:13
